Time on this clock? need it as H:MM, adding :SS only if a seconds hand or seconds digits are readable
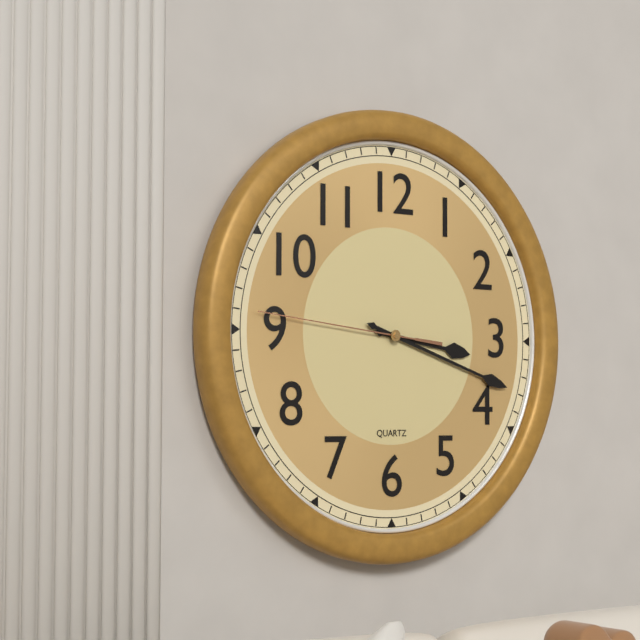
3:18:46
